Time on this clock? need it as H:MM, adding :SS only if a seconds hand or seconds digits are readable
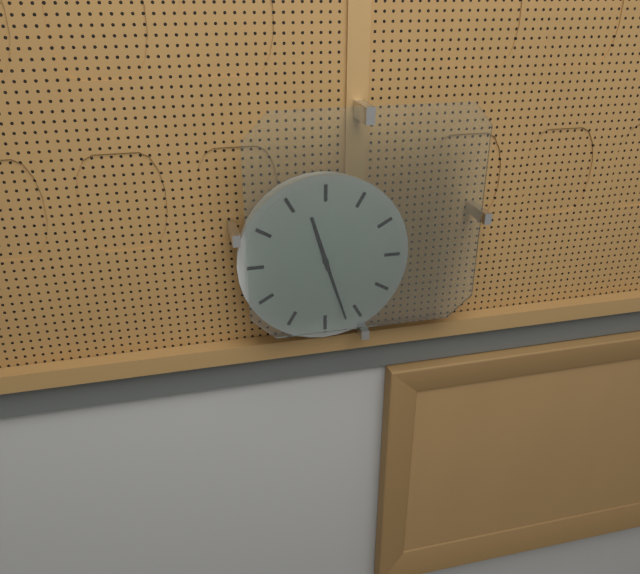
11:27
